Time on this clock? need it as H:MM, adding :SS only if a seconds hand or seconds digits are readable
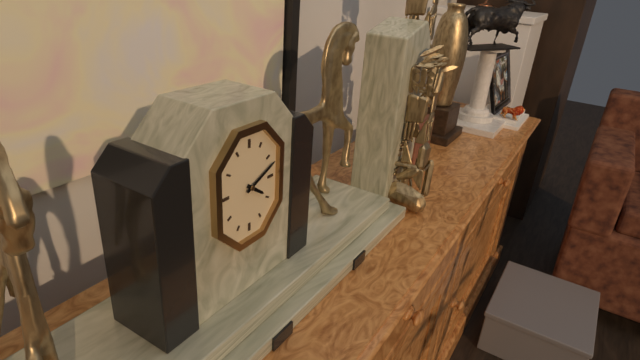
4:11
